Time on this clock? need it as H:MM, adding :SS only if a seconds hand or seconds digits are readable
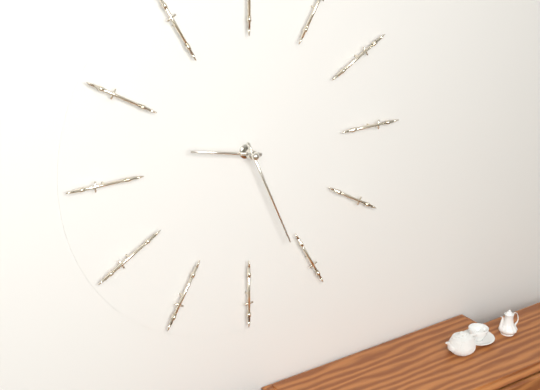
9:26
